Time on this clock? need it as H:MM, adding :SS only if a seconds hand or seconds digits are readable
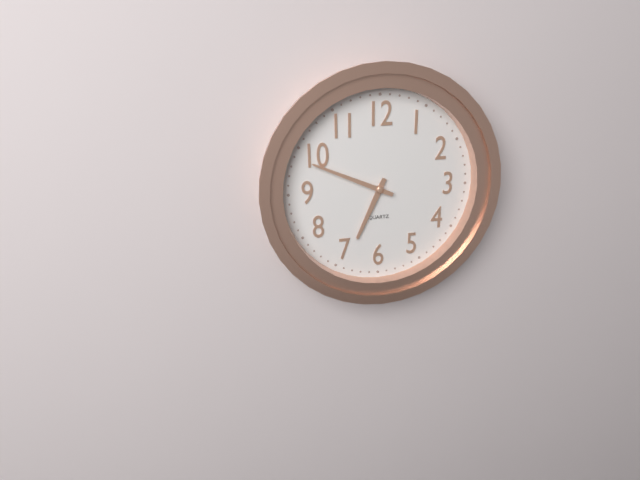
6:49
